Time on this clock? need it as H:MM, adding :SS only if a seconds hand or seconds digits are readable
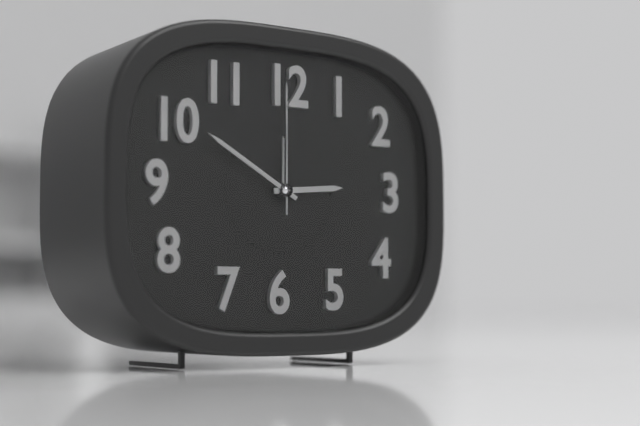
2:50:00
